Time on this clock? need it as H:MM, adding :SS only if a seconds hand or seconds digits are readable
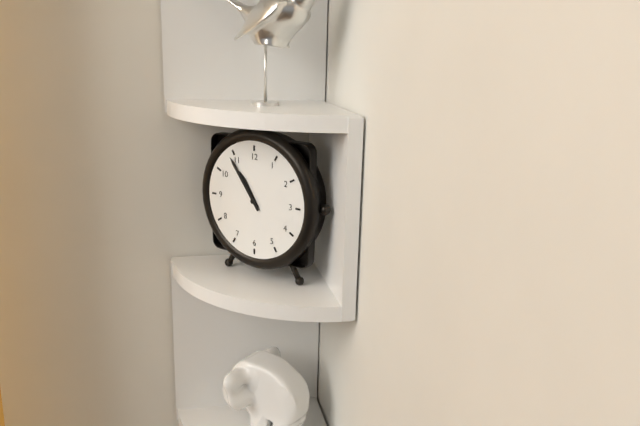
10:54
